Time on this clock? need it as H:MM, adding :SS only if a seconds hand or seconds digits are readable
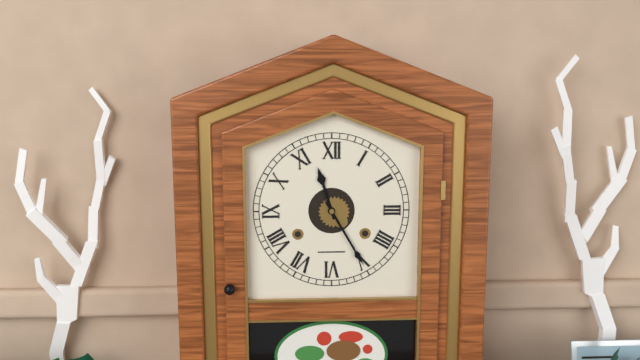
11:25
